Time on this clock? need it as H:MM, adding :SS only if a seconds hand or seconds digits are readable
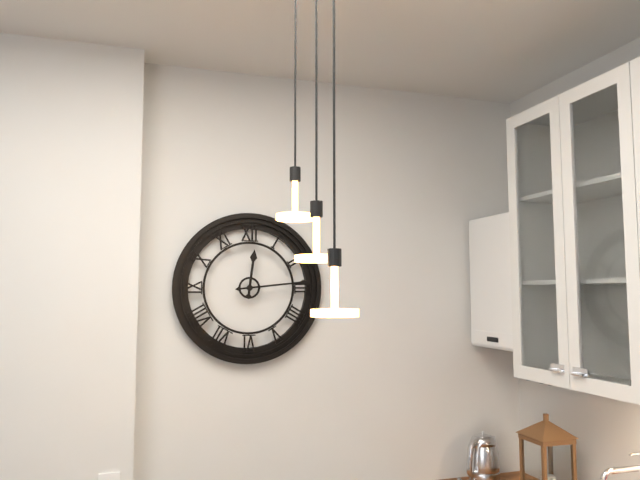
12:14
